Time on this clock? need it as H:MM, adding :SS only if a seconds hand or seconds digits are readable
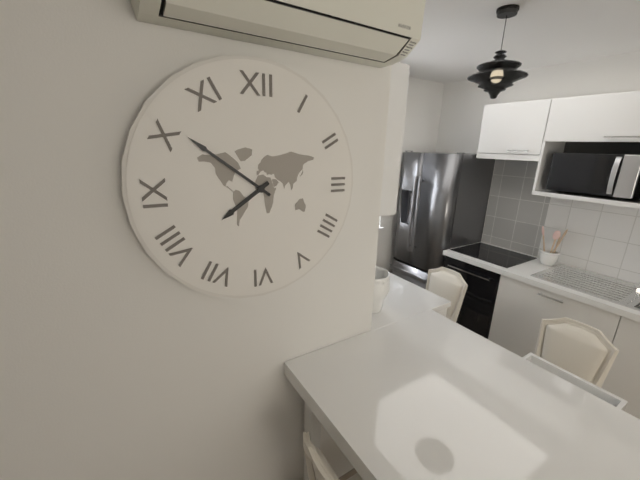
7:51
